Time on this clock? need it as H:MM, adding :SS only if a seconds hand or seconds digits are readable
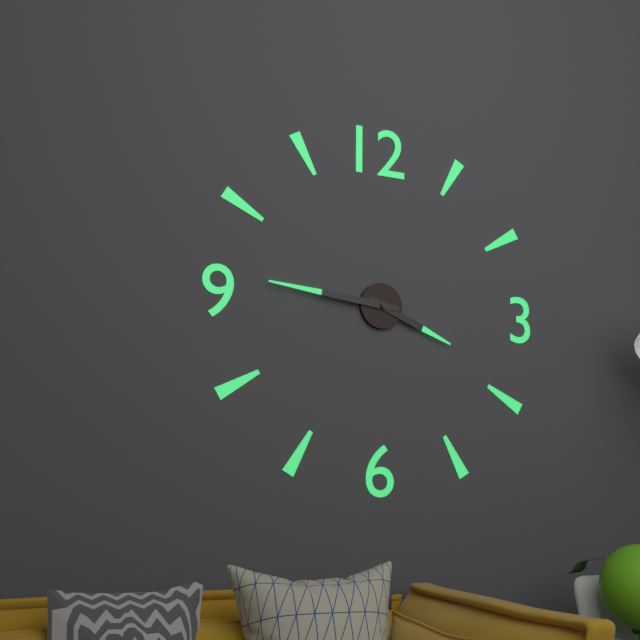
3:46
